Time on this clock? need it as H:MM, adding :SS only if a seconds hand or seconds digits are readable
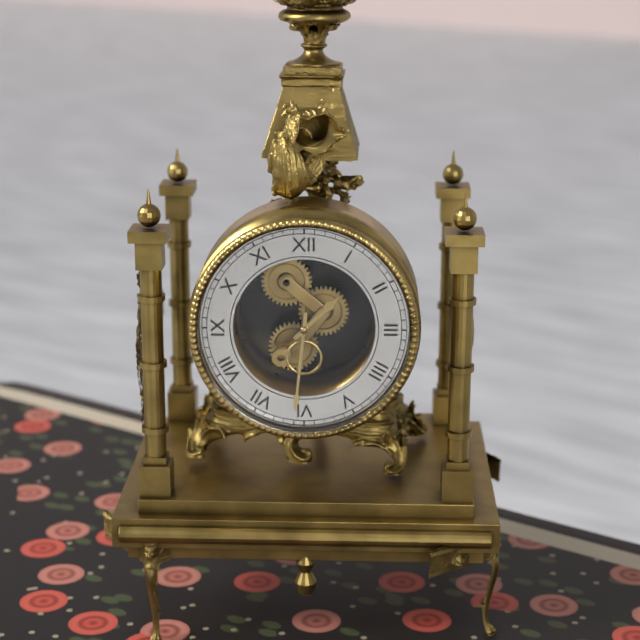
1:31
